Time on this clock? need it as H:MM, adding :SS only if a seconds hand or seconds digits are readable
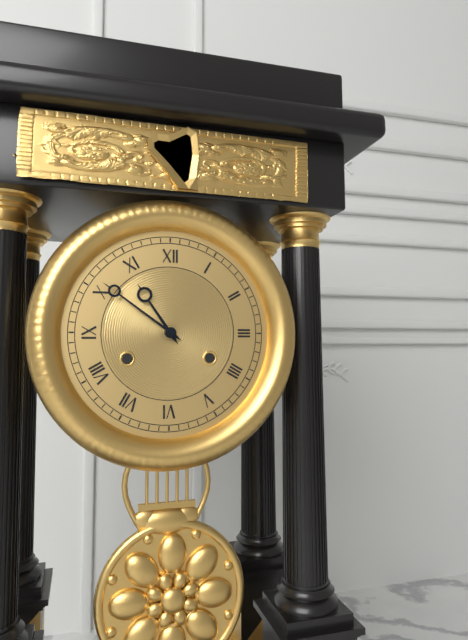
10:51
